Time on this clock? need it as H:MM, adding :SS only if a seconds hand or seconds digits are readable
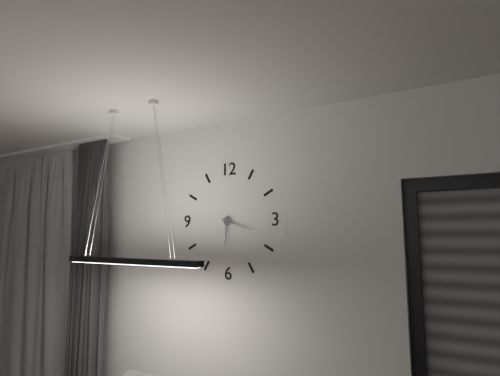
6:18
